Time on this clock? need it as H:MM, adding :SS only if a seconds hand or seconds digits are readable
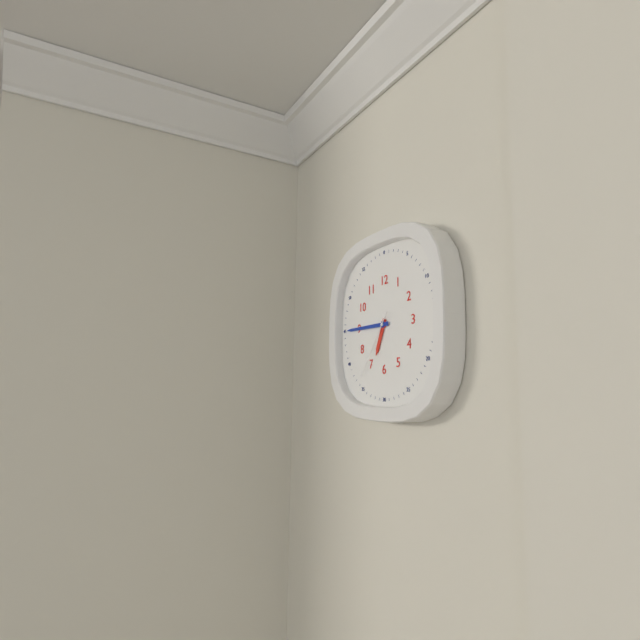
6:45:36
